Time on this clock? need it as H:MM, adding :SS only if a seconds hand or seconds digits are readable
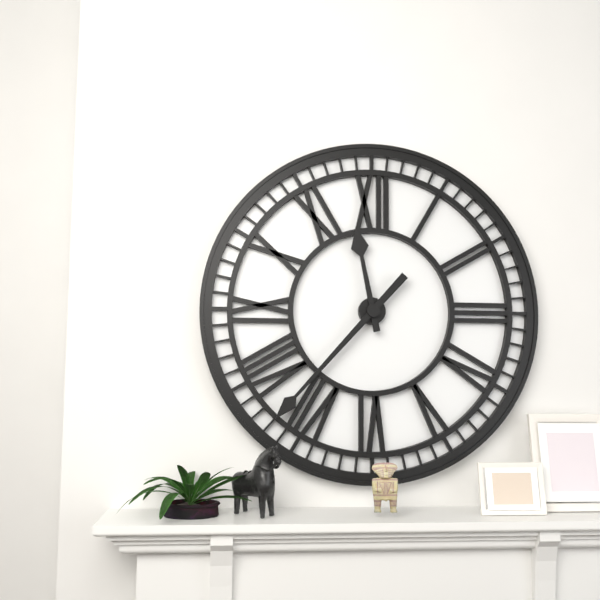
11:37
